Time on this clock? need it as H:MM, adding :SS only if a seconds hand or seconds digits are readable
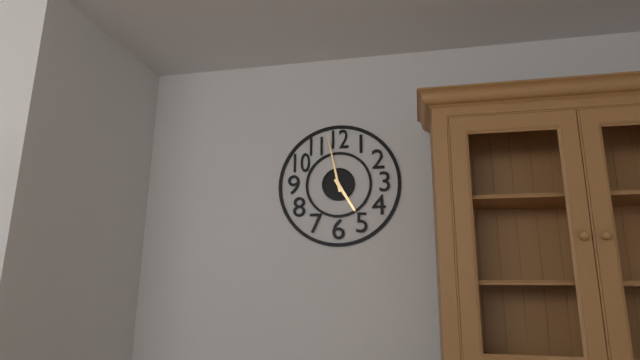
4:58
